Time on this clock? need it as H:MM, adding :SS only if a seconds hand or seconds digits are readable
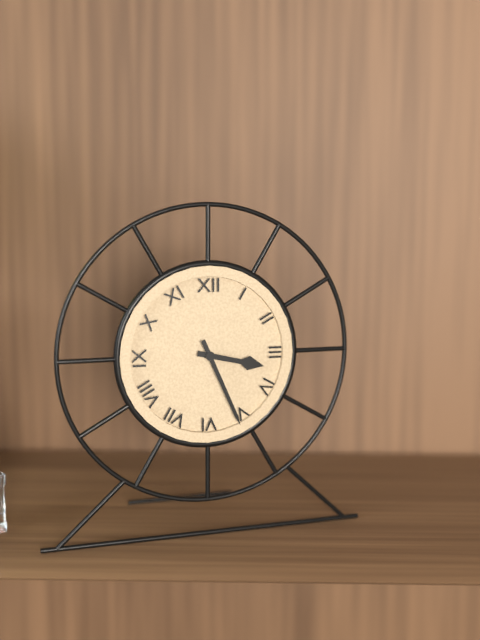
3:26
